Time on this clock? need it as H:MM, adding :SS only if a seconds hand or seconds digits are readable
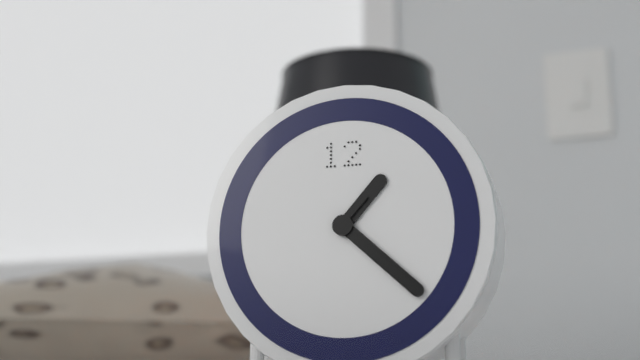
1:22:07
